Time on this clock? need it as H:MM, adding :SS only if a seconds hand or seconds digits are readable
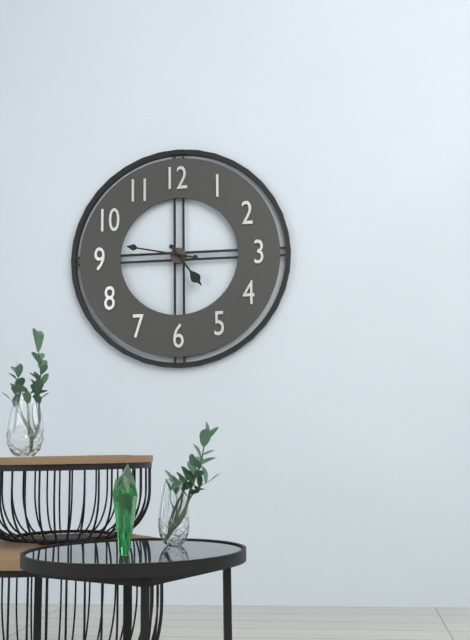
4:47
